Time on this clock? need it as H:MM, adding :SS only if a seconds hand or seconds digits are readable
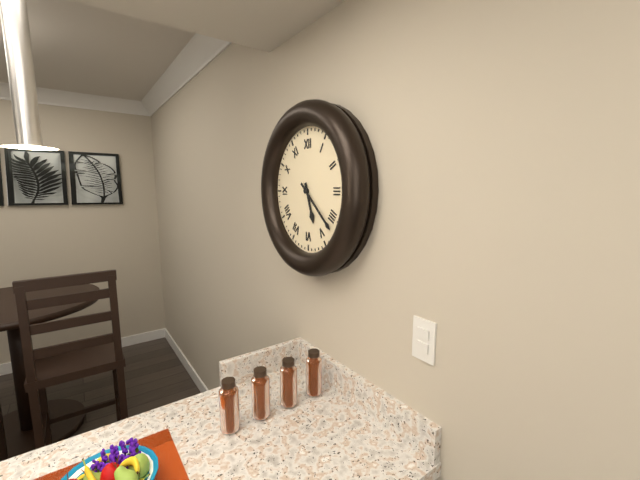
5:22
